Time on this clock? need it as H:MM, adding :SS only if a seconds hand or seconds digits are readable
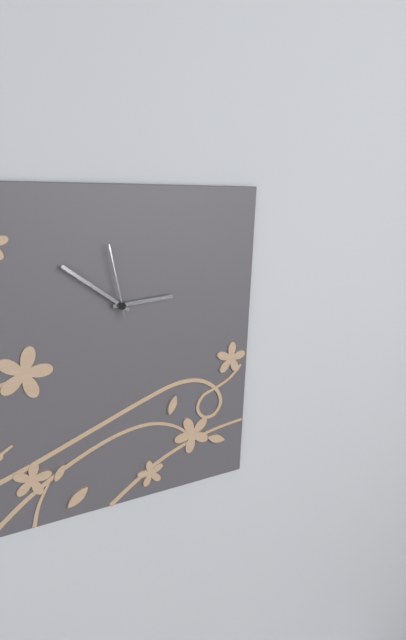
2:51:58
